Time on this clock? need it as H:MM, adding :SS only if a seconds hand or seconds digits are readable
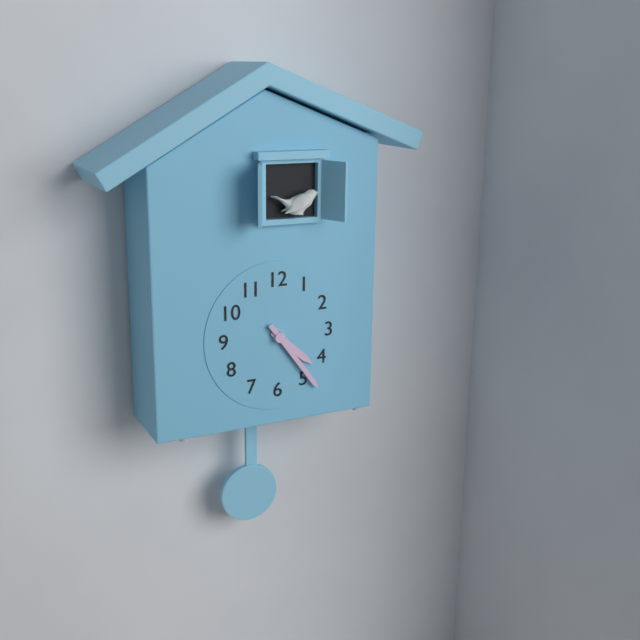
4:24
